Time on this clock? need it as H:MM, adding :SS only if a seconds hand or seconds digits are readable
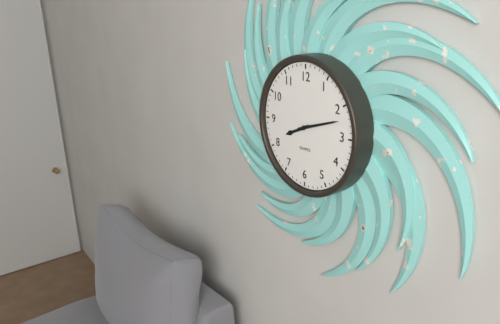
8:12
